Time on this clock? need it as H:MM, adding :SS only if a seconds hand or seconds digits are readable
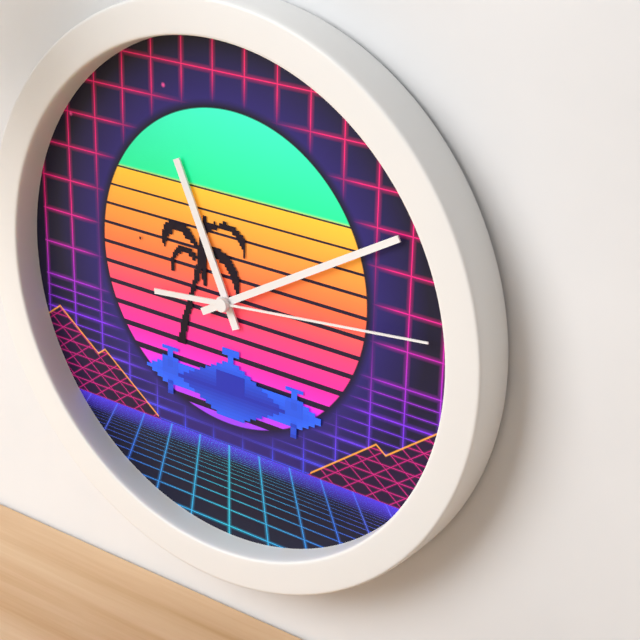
11:10:14
